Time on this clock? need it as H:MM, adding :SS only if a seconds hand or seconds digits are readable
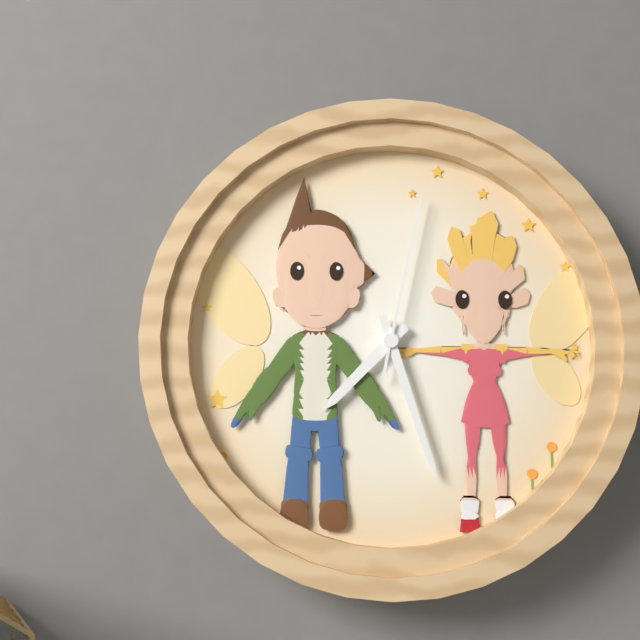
7:27:02
